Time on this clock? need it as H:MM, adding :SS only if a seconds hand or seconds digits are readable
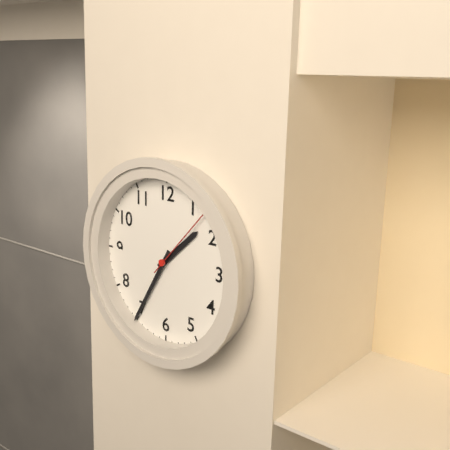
1:35:07
